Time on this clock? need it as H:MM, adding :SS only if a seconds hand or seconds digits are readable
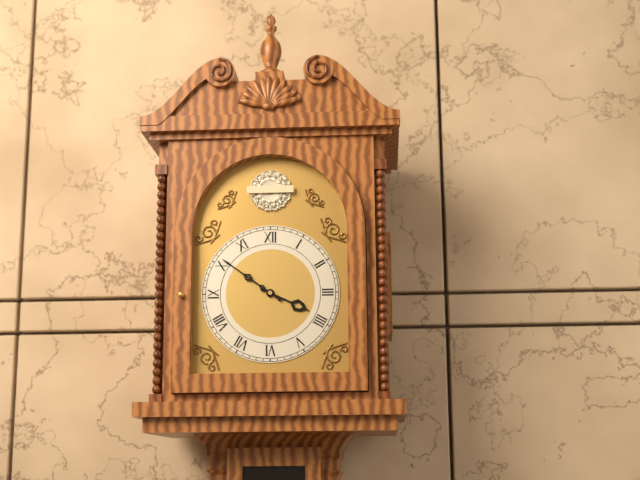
3:51
